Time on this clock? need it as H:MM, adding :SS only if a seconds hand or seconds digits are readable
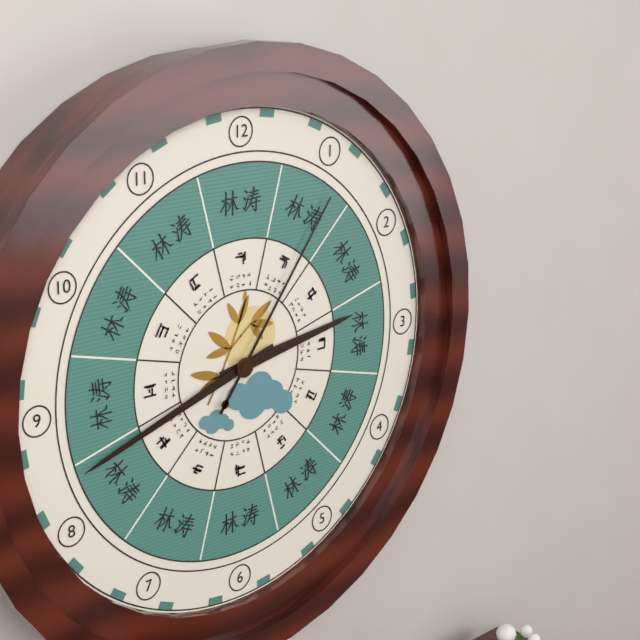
2:42:06
